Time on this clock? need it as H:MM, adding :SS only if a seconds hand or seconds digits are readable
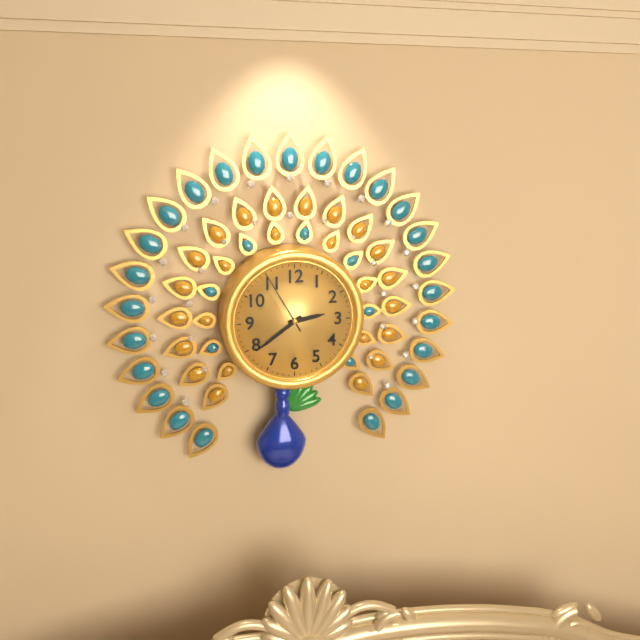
2:39:55
